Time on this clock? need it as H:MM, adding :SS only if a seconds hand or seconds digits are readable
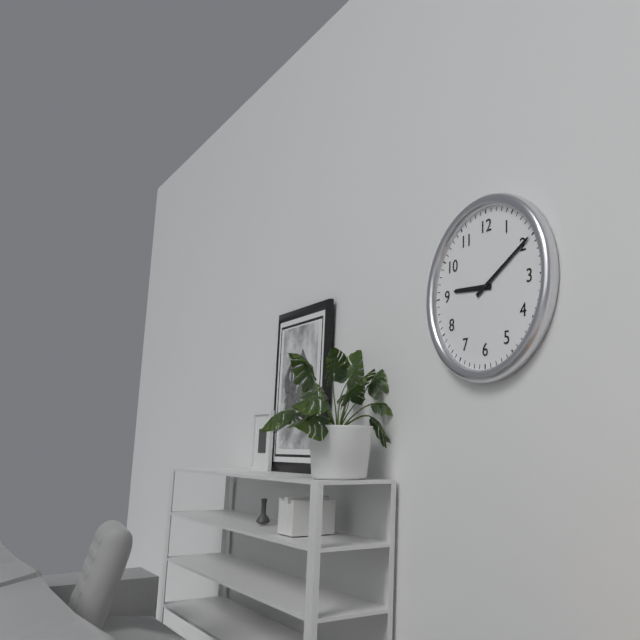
9:10
